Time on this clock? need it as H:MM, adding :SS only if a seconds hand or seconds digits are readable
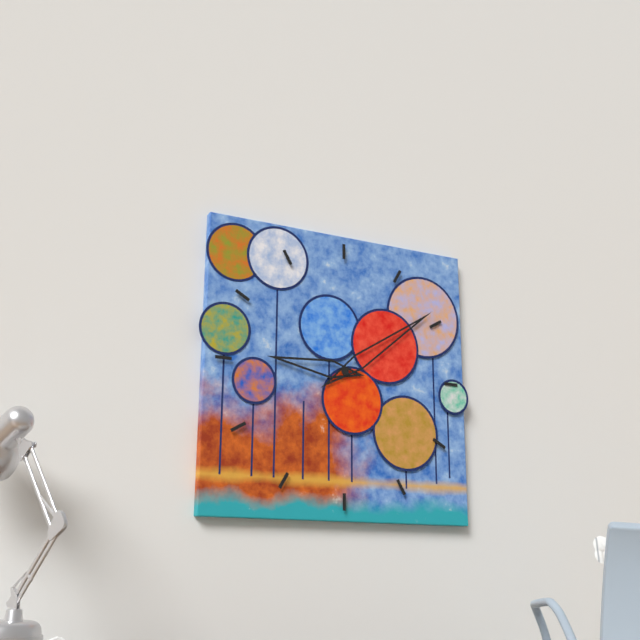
9:09
